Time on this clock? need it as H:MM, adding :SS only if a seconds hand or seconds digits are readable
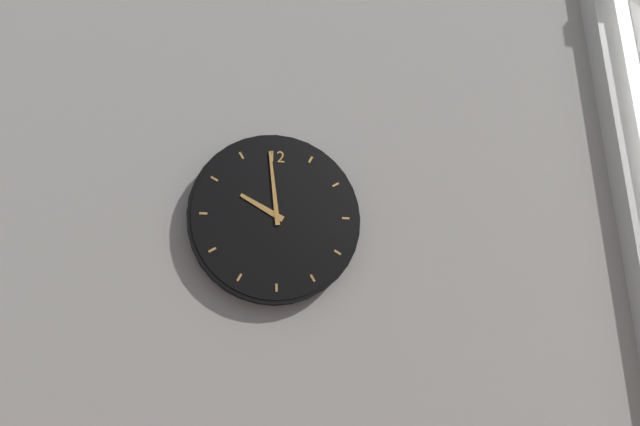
9:59
